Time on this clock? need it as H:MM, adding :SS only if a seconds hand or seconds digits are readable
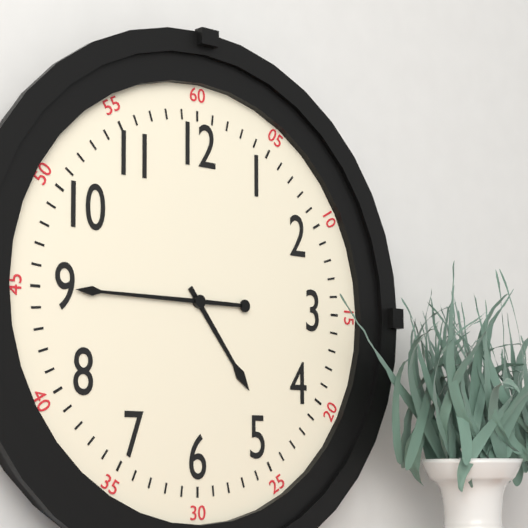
4:45
